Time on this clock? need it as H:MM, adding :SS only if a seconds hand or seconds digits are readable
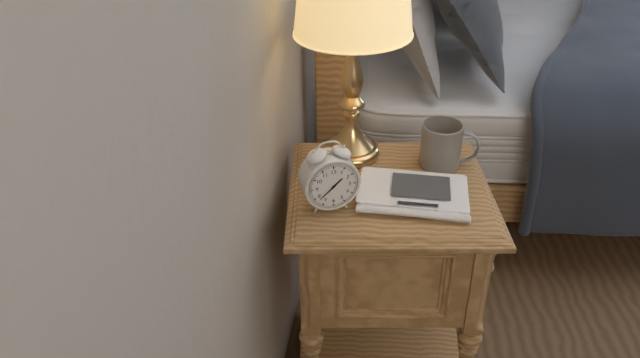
1:38
